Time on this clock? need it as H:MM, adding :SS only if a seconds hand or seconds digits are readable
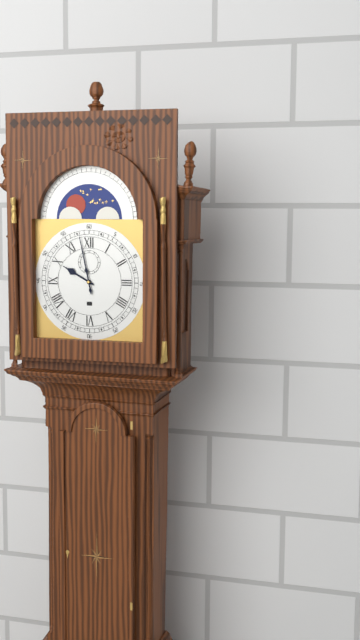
9:58
